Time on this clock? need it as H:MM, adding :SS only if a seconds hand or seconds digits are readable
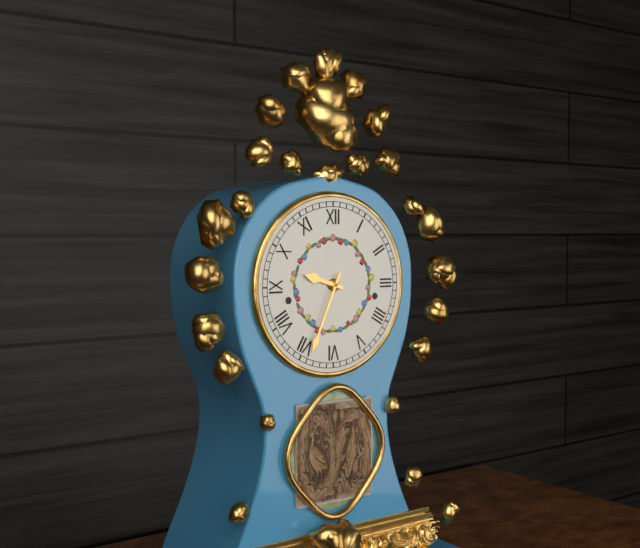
9:34
